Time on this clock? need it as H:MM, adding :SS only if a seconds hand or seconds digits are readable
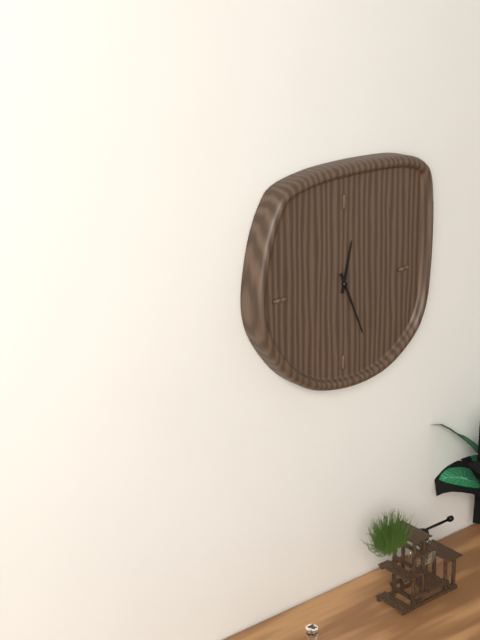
12:26
